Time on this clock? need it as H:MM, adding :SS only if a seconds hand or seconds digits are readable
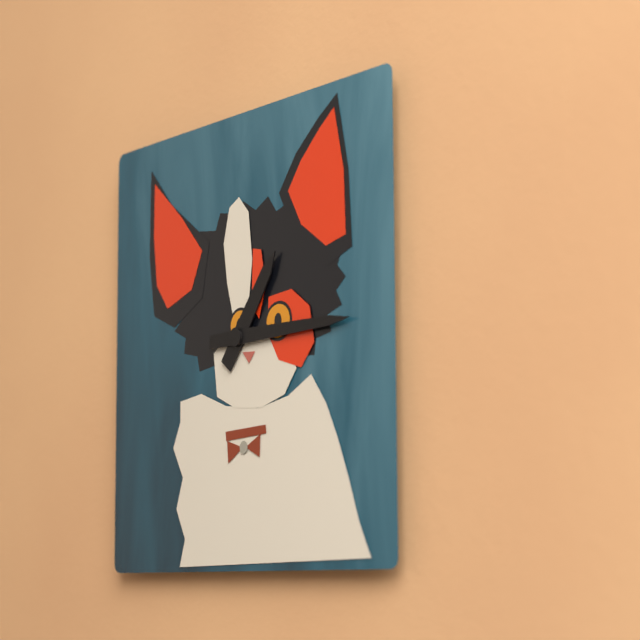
1:15
